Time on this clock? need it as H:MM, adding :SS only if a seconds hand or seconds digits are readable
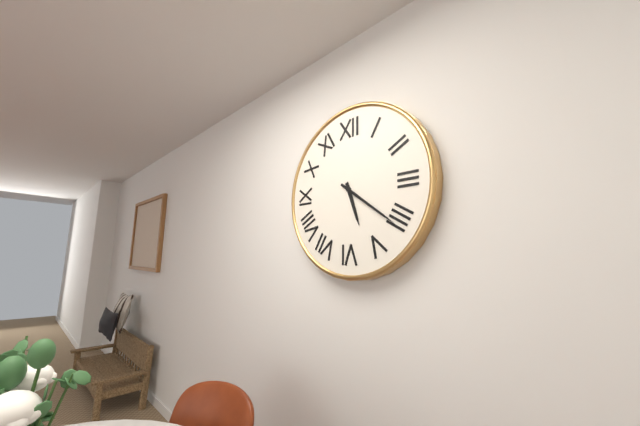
5:21
